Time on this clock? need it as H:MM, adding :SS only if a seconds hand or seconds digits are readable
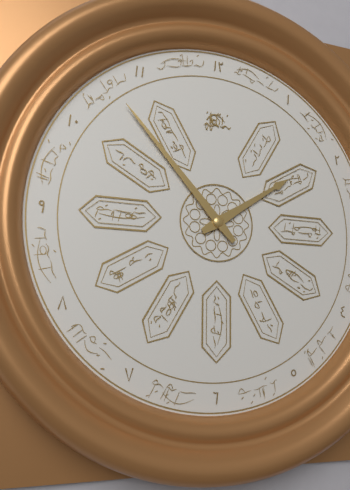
1:53
